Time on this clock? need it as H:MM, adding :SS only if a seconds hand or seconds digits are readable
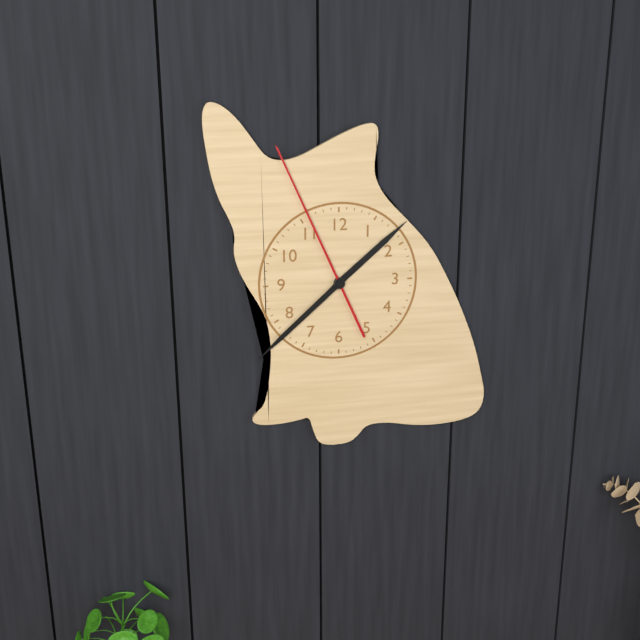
1:38:56
